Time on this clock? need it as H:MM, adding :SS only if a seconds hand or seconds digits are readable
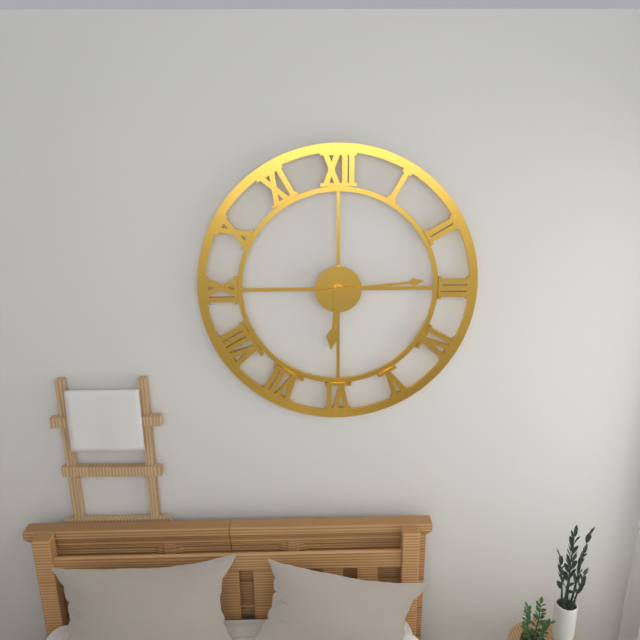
6:14
